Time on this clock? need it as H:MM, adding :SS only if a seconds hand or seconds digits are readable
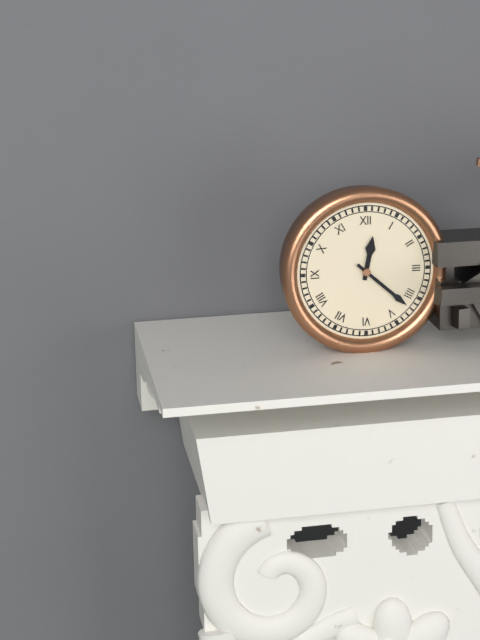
12:22
